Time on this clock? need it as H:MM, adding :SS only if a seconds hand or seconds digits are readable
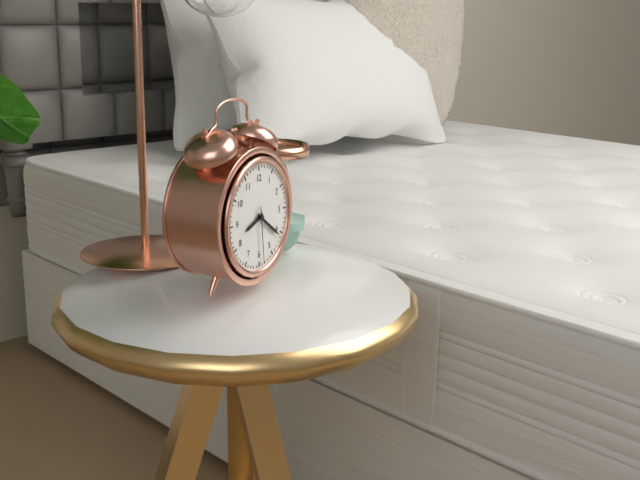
8:21:29
